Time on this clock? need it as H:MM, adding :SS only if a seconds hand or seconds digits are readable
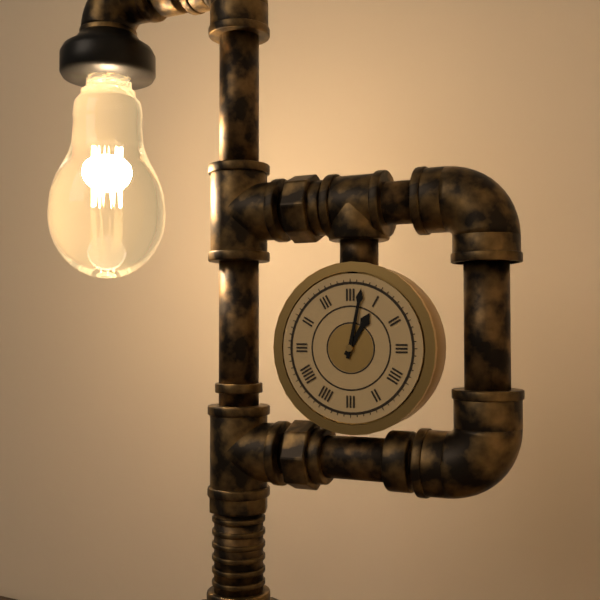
1:02
